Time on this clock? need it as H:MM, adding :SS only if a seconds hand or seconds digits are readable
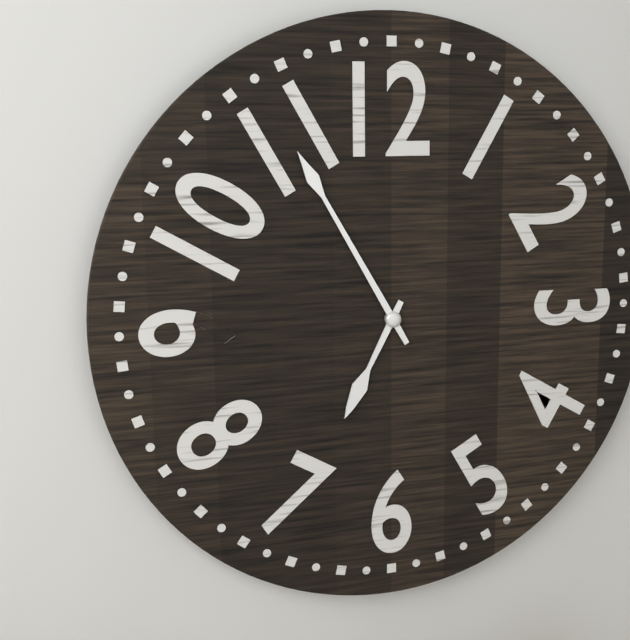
6:55
